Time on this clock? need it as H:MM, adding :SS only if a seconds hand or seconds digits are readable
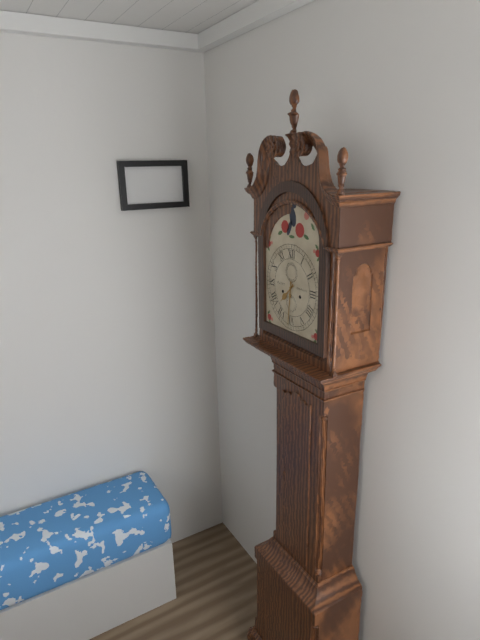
7:31
